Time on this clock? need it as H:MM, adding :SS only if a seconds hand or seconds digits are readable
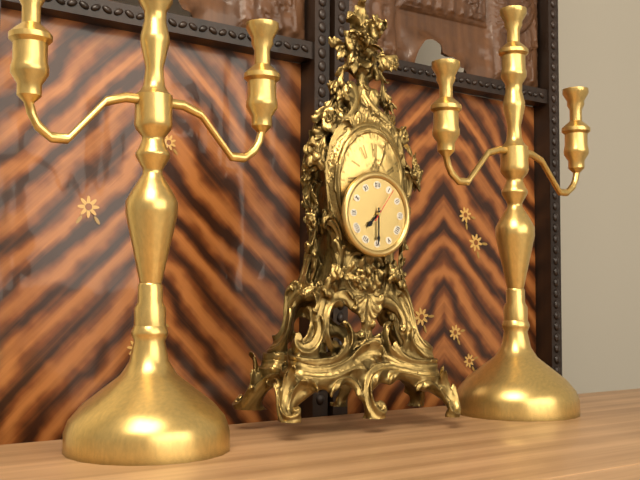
7:30
